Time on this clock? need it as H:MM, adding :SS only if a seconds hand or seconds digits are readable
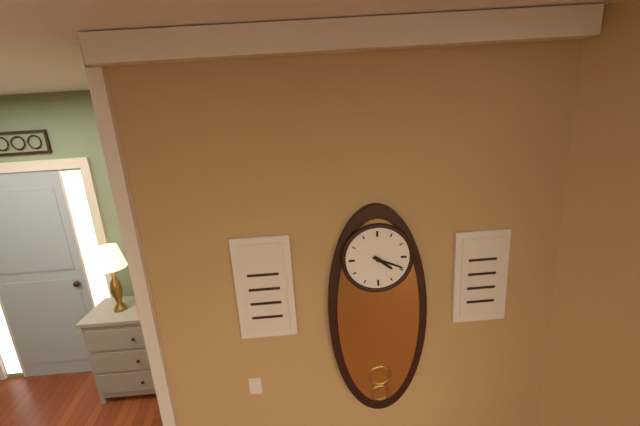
4:19
